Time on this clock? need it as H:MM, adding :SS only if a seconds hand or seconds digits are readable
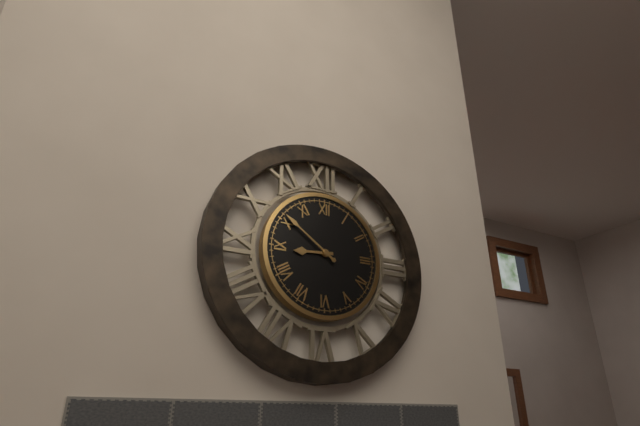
8:51
